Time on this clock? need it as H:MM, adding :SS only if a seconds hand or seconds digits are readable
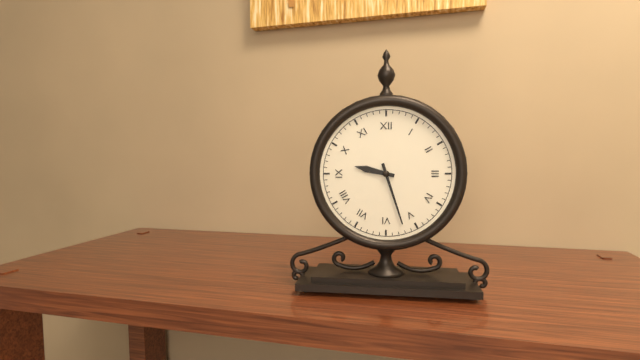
9:27
